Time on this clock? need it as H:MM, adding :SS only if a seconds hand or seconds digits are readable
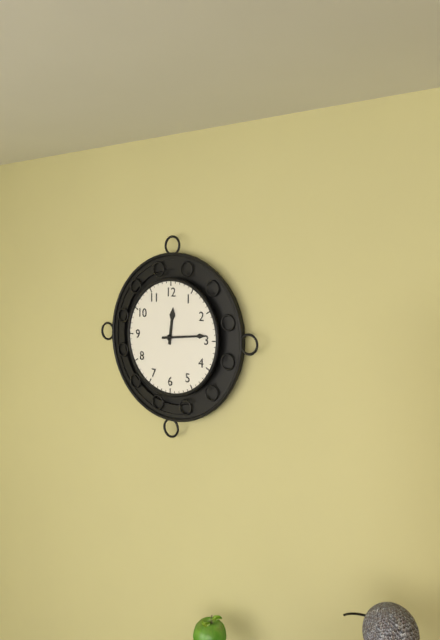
12:14
